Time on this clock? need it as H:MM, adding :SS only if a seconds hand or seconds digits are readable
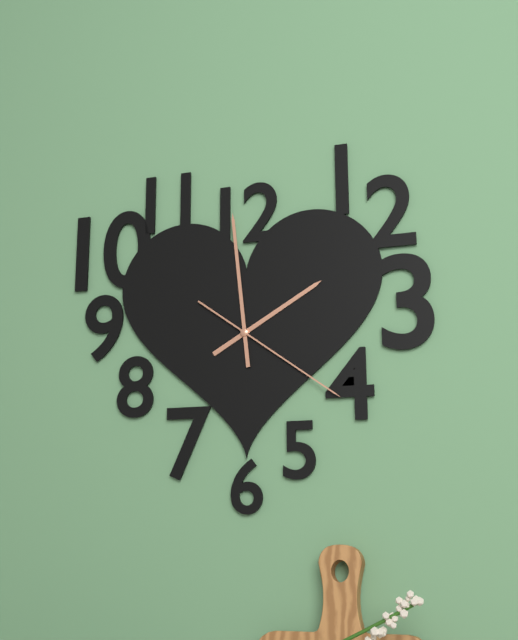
1:59:21
